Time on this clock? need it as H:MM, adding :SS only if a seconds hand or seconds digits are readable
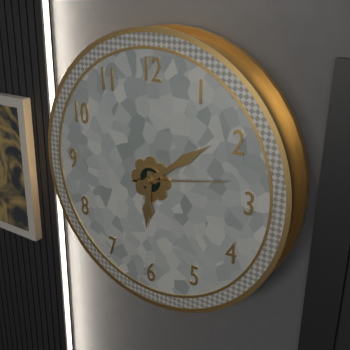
6:09:13
